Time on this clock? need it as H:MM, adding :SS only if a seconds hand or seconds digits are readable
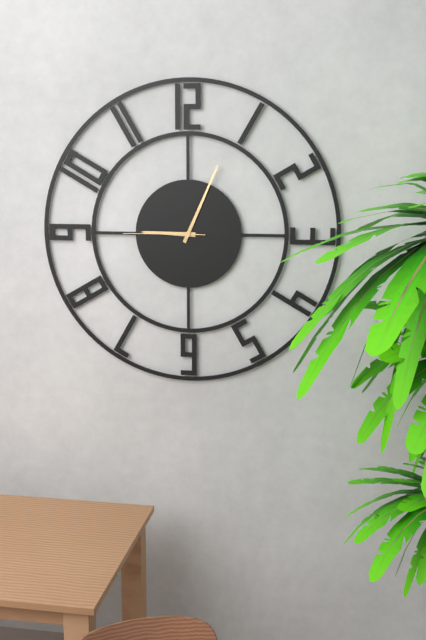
9:04:45
